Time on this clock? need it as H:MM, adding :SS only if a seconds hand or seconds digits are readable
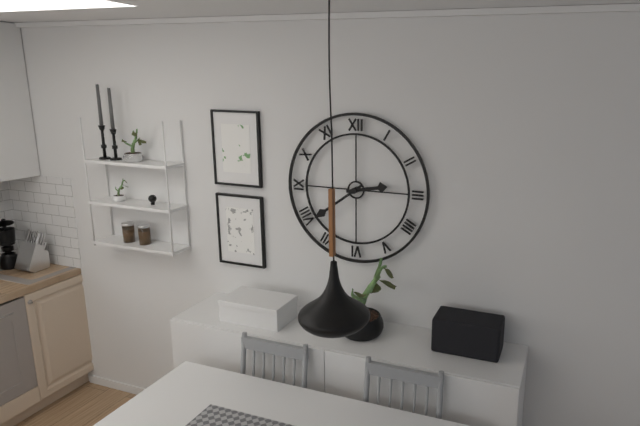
2:39
